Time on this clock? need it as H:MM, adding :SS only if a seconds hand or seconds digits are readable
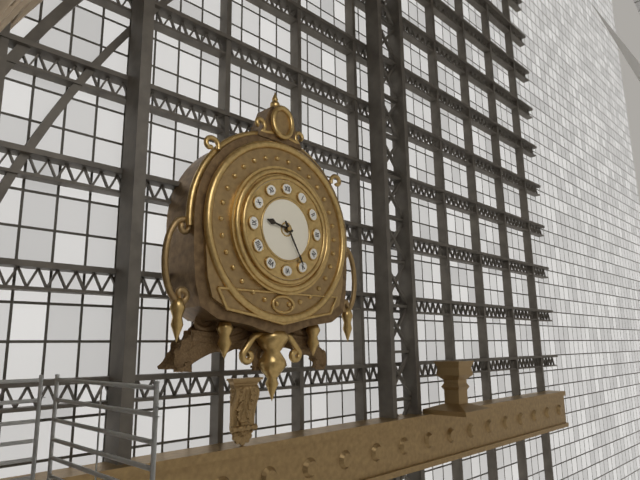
9:25
